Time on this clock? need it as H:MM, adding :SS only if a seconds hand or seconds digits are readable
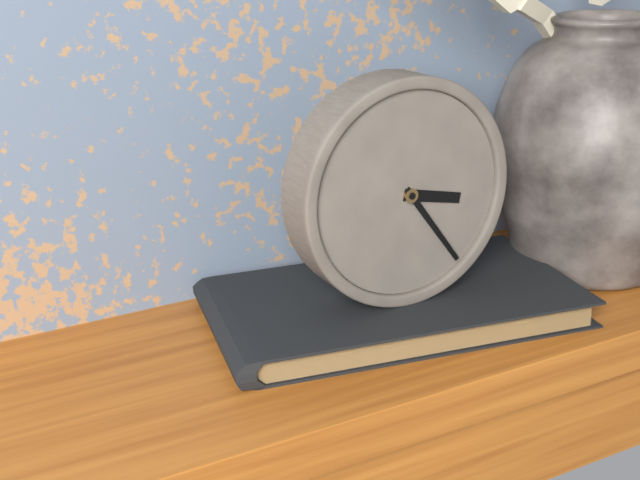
3:24
